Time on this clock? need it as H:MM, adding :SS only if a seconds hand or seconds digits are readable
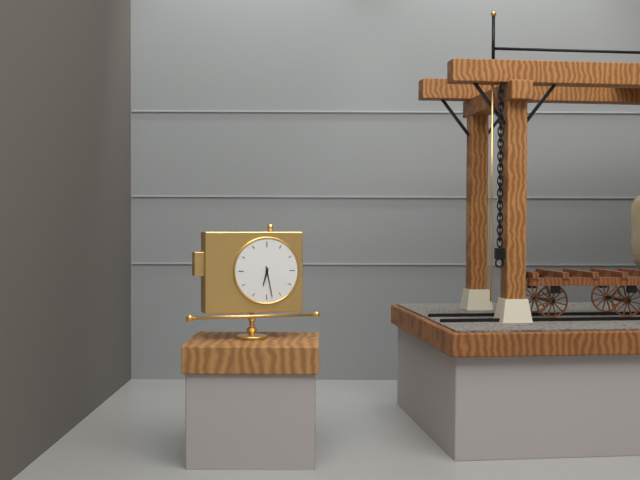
6:28
